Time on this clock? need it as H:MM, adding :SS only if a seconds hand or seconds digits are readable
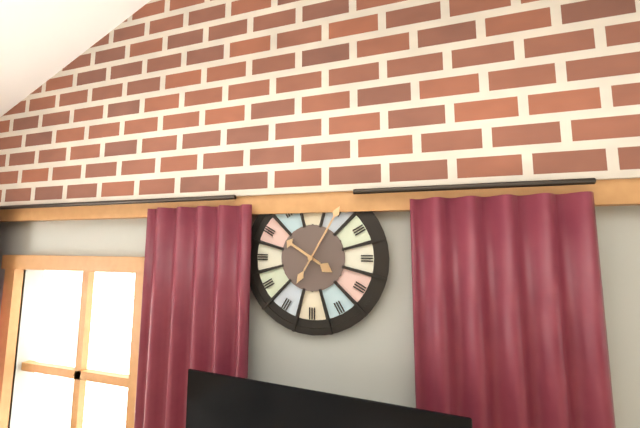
10:05
